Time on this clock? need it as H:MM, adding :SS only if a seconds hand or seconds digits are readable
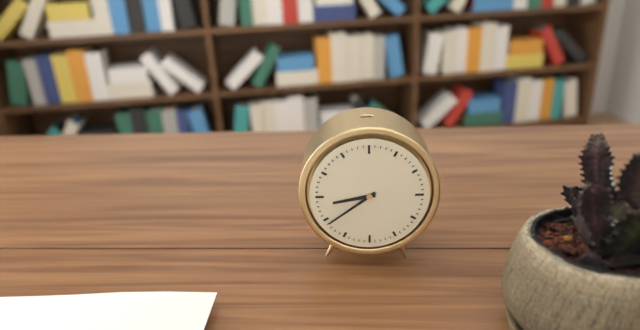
8:39
